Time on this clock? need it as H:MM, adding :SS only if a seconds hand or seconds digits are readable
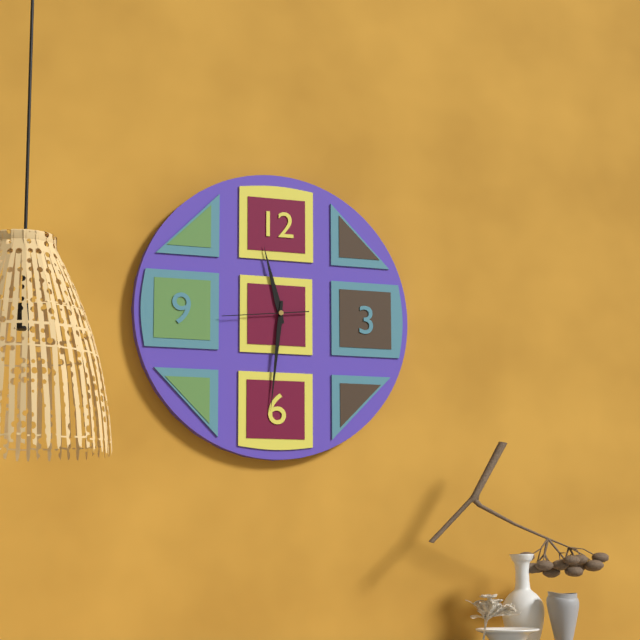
11:31:44
